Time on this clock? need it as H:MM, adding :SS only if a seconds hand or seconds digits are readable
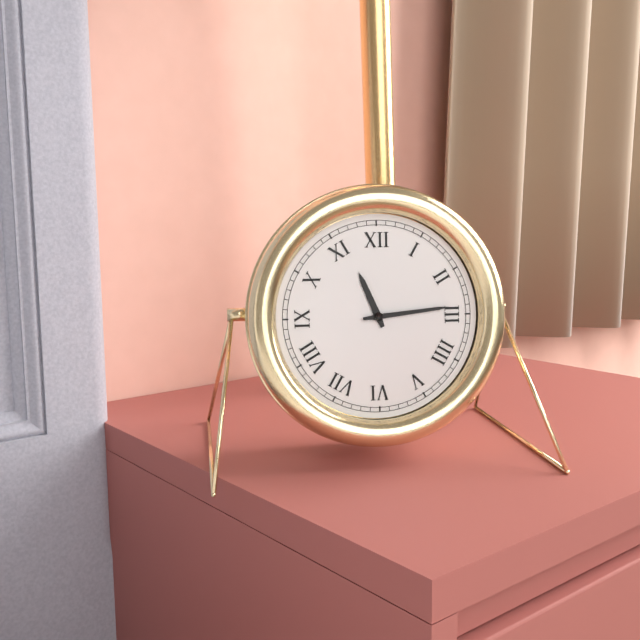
11:14
